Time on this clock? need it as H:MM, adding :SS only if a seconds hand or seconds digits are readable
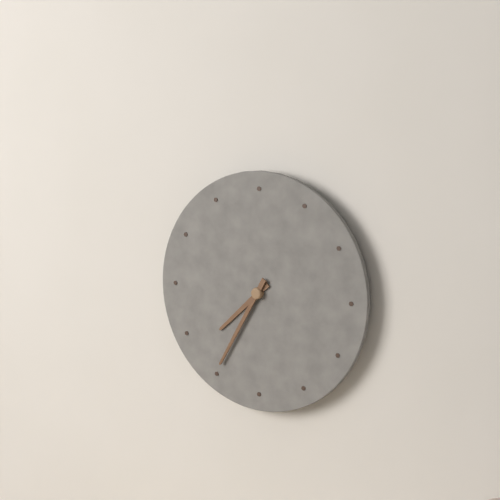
7:35
